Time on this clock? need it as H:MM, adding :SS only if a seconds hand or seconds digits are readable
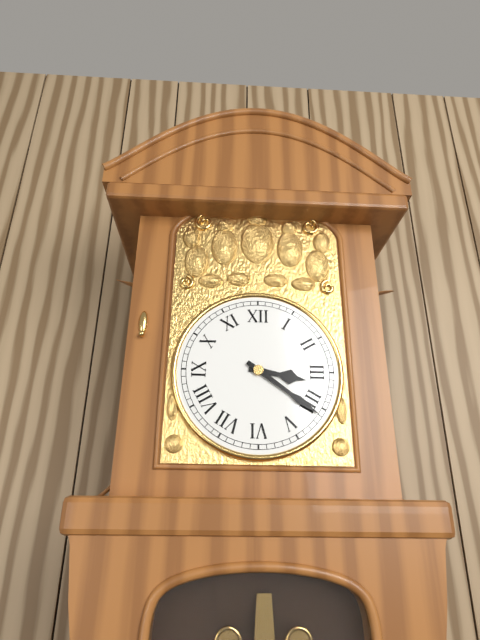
3:21
